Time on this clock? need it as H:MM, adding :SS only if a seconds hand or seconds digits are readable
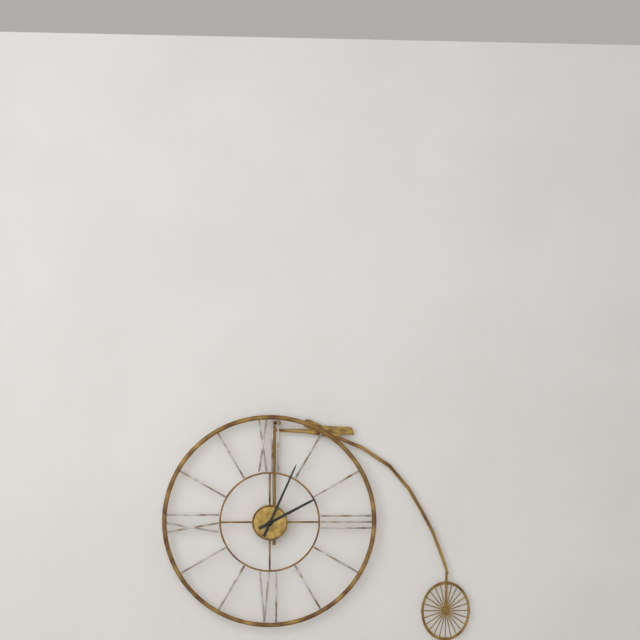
2:04
